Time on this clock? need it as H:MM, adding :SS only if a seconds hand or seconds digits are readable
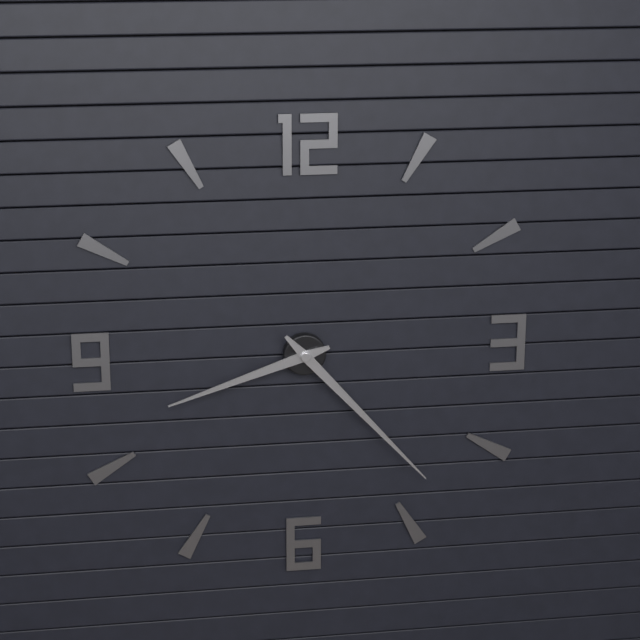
8:23
